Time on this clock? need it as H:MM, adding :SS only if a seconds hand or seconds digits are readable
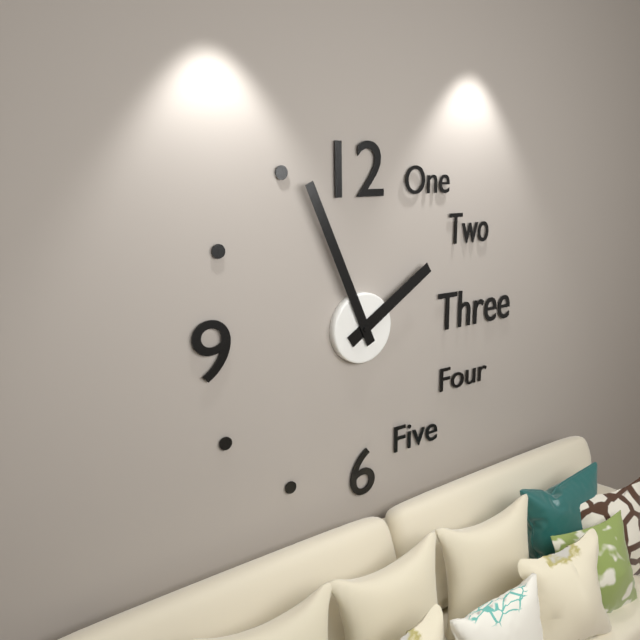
1:56
